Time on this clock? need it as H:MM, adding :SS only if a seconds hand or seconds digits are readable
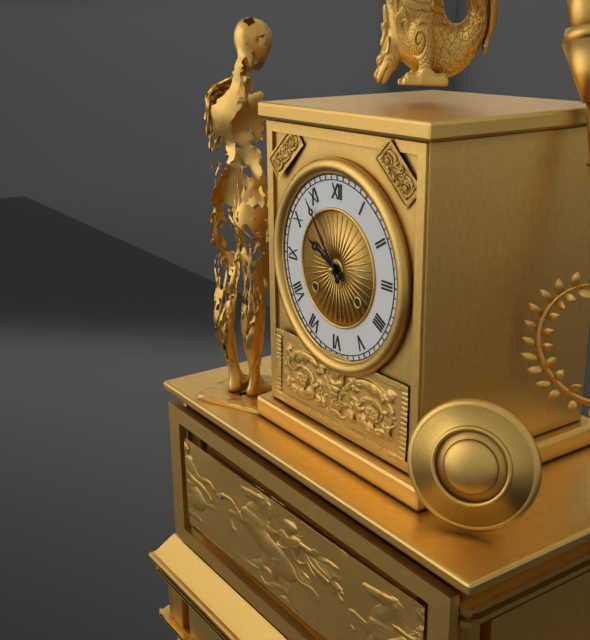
9:54
